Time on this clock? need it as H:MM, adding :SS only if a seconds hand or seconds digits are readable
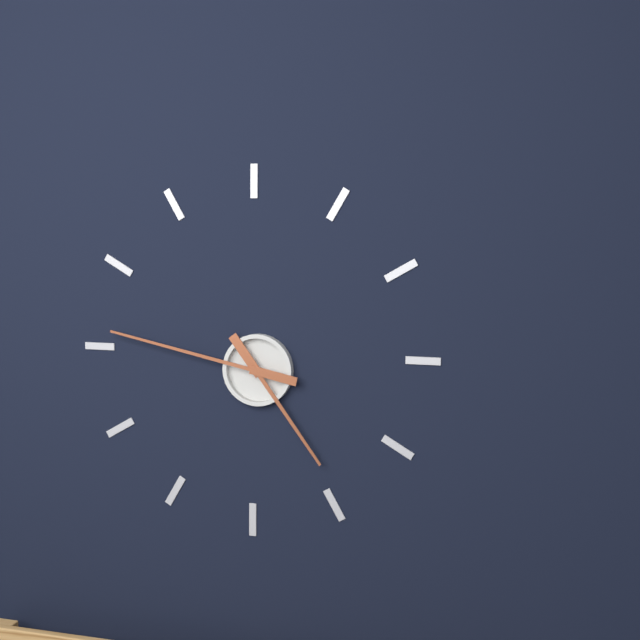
4:47
